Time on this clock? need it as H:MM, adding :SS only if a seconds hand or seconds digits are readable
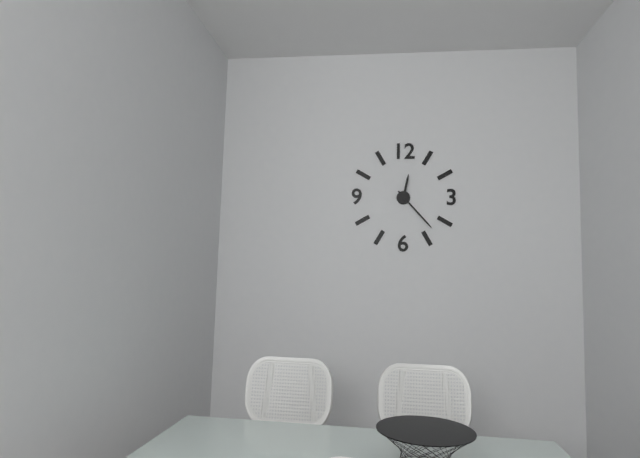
12:23
